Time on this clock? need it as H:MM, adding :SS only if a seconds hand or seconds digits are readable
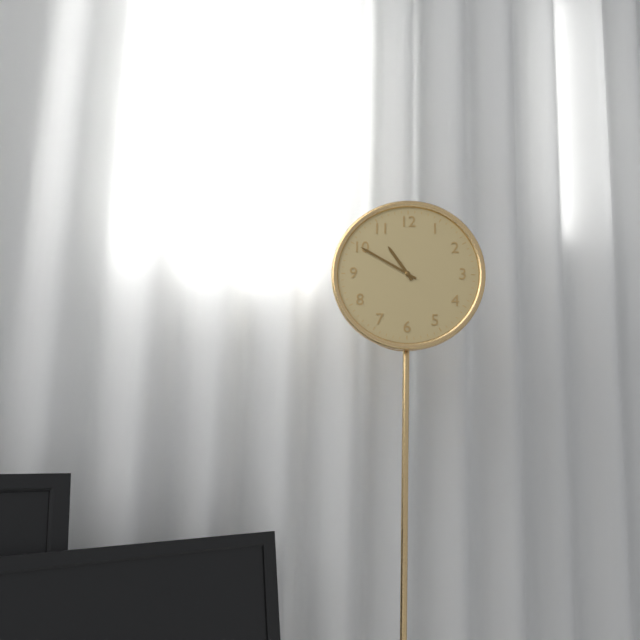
10:50
